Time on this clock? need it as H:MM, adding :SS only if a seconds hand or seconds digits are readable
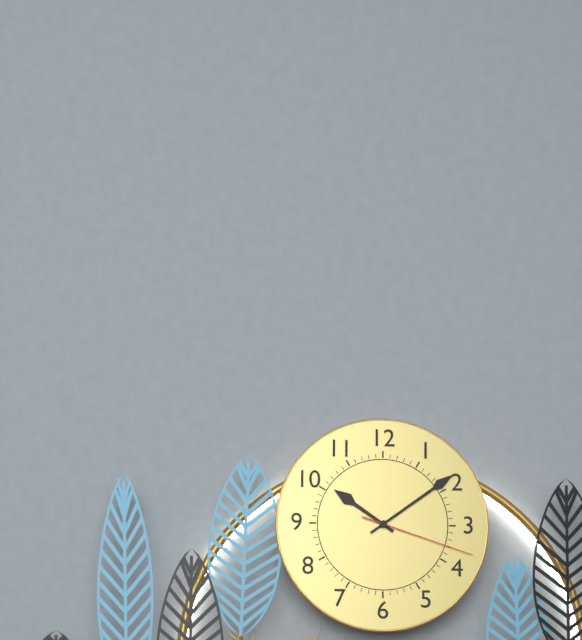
10:09:18
